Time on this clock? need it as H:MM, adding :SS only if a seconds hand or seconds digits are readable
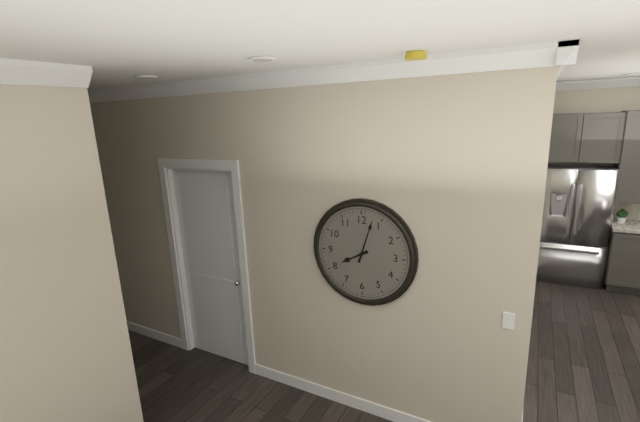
8:03
